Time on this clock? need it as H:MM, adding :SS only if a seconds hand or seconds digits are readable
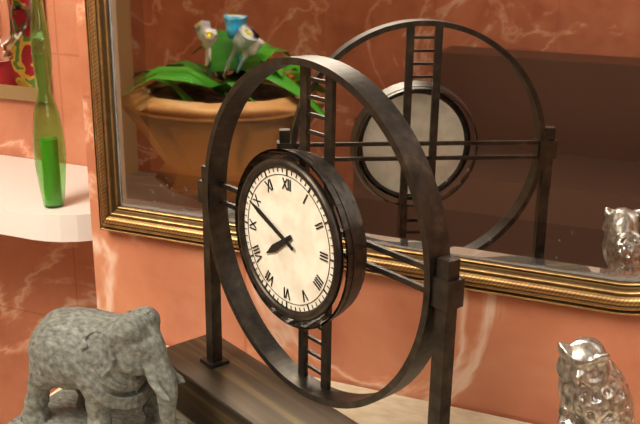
7:49
